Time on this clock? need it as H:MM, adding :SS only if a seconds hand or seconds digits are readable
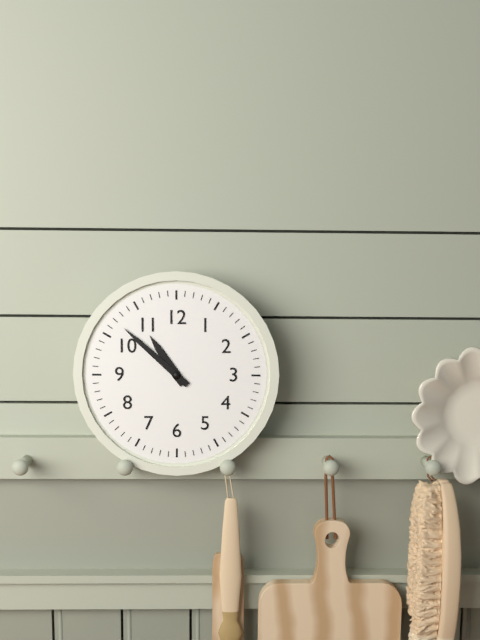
10:52
